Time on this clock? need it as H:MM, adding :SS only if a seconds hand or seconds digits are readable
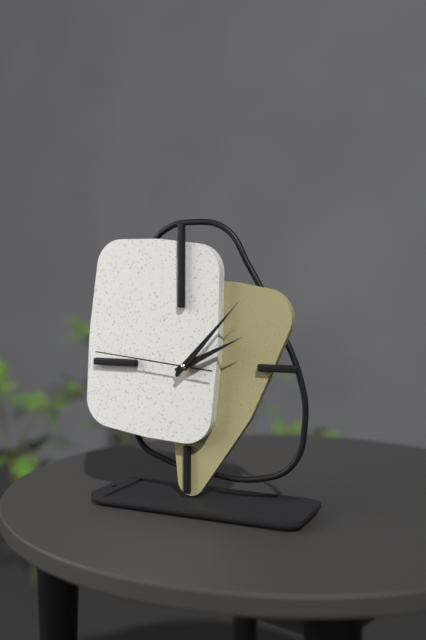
2:07:46
